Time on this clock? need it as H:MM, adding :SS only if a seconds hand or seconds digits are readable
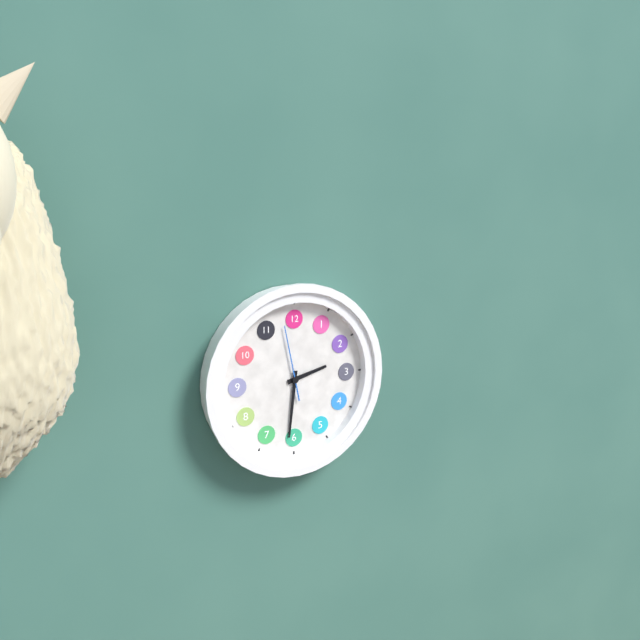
2:31:58
